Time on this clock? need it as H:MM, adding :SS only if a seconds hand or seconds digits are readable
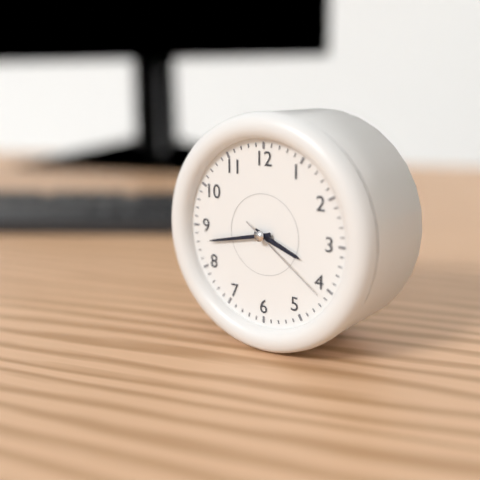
3:43:21
